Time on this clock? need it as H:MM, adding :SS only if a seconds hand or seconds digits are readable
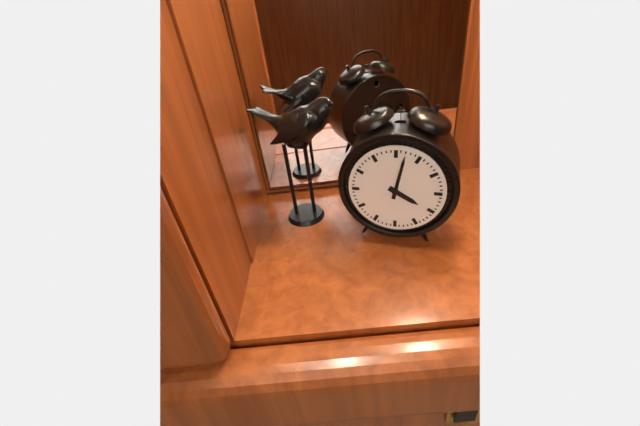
4:02
